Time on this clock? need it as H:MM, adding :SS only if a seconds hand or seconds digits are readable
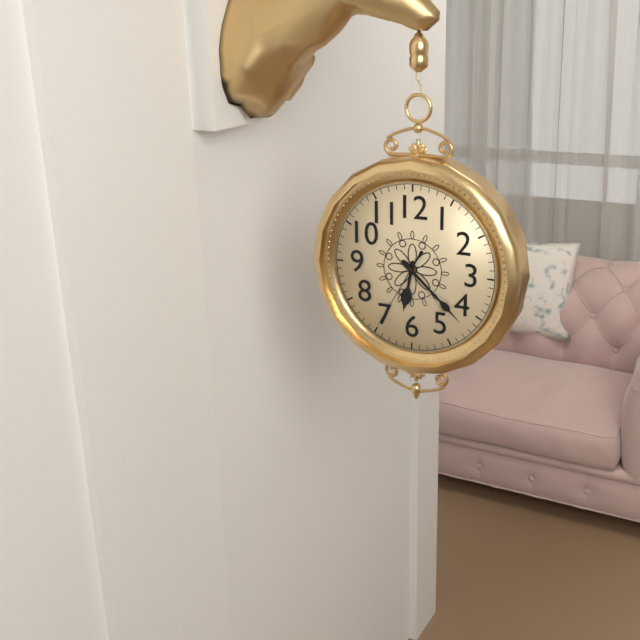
6:22:35
